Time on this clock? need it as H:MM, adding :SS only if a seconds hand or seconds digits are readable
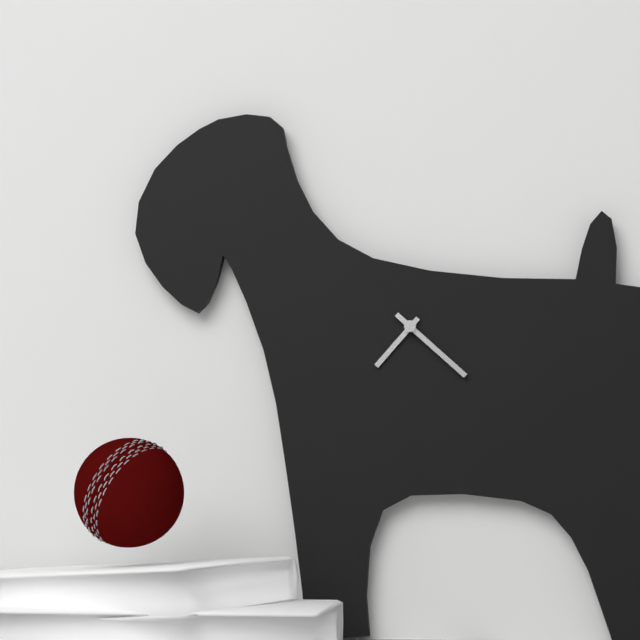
7:22
